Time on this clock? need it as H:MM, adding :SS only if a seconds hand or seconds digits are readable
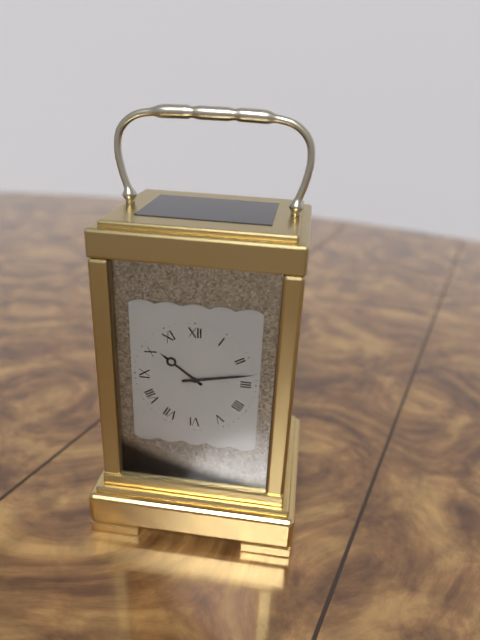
10:13
